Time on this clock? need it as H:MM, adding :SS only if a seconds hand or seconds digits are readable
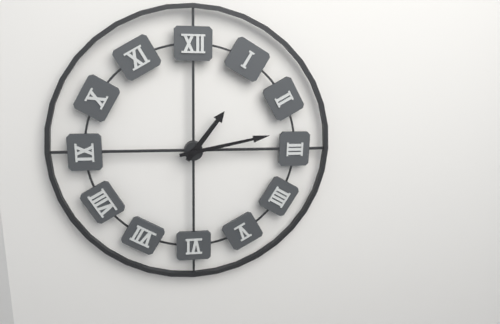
1:13
